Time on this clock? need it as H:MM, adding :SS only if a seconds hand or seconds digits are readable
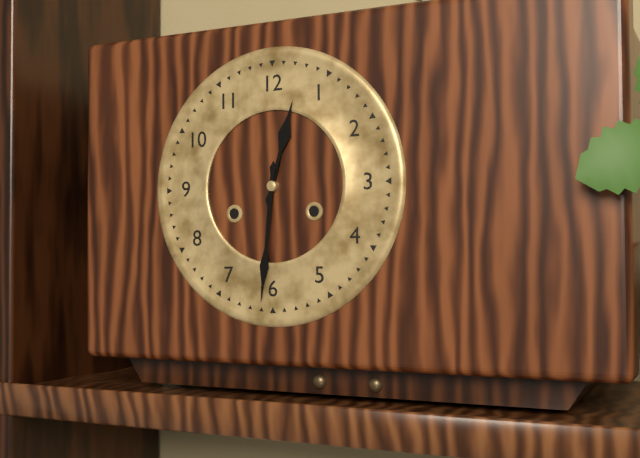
12:31
